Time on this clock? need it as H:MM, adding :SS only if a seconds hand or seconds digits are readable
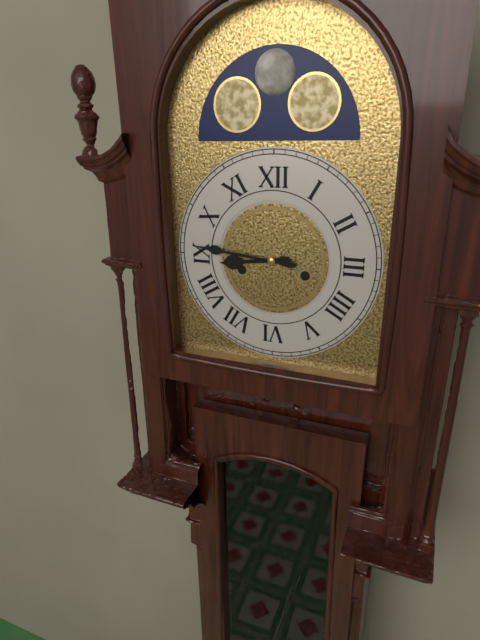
8:46
